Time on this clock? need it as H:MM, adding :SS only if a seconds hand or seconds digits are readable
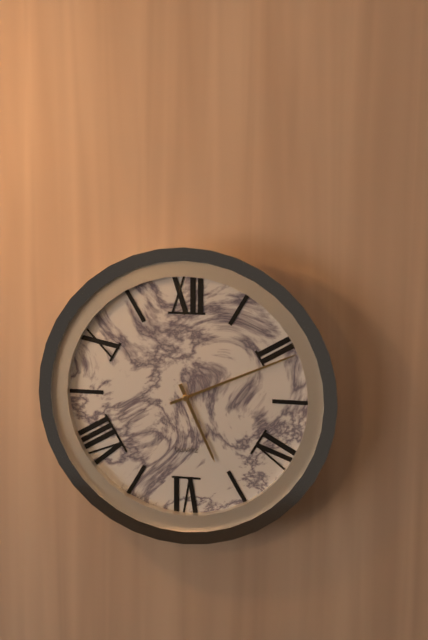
5:11
